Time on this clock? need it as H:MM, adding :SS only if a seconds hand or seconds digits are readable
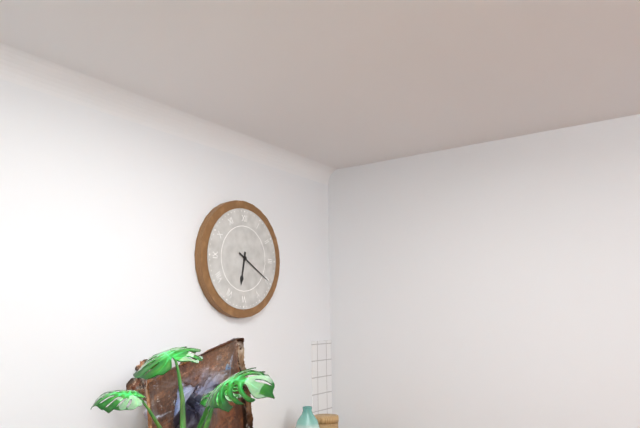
6:20
